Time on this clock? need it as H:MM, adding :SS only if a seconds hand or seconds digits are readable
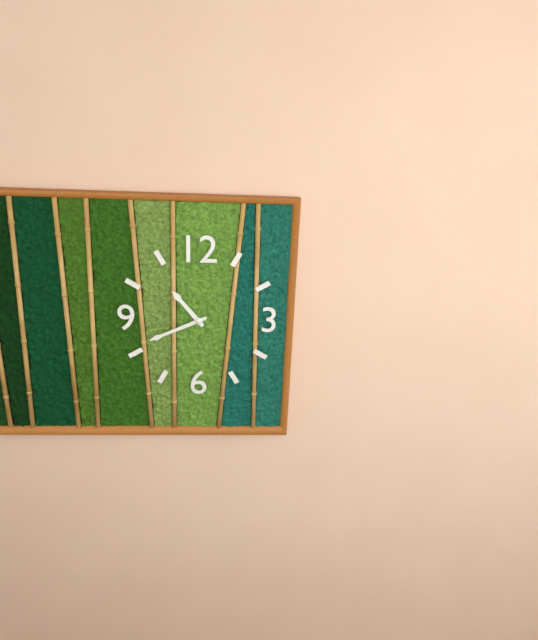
10:41
